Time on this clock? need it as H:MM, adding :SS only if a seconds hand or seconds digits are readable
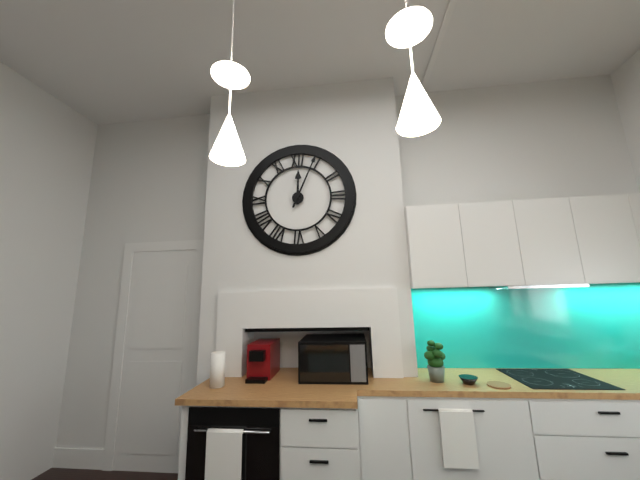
12:04
